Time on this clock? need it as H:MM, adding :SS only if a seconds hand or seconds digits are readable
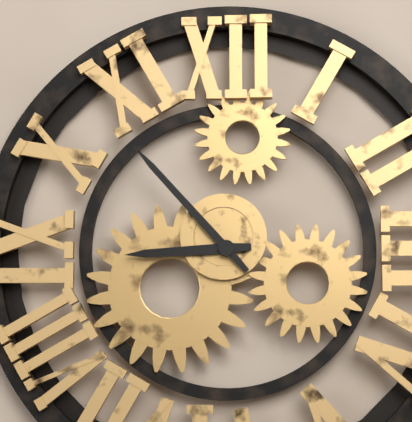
8:53
